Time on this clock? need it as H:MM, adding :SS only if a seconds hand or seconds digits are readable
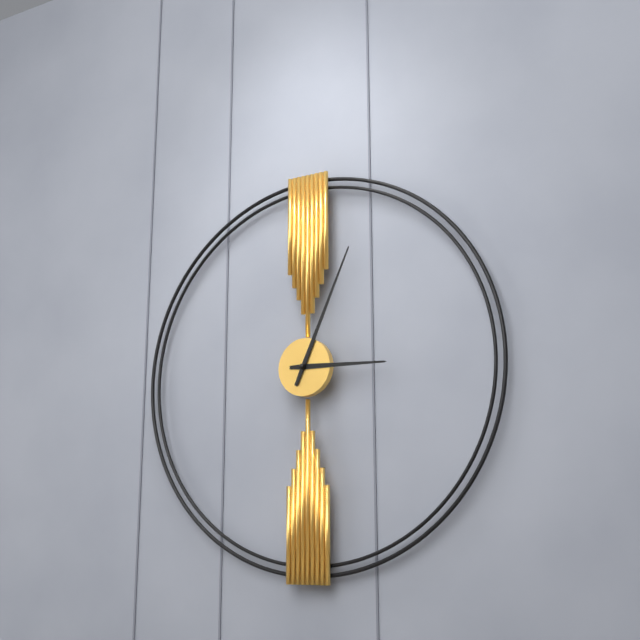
3:04
